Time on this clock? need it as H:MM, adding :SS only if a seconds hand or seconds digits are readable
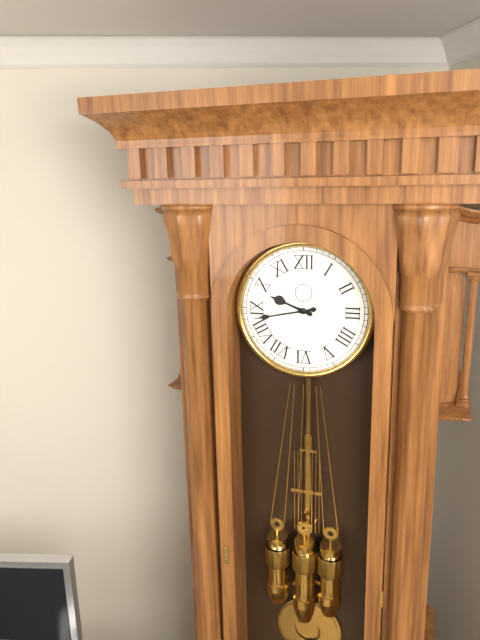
9:43
